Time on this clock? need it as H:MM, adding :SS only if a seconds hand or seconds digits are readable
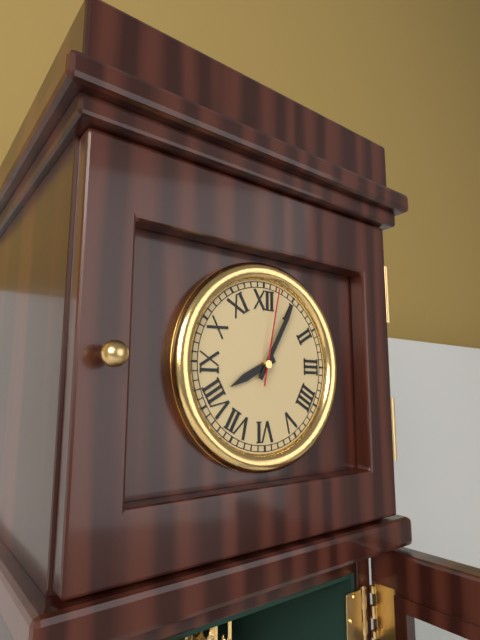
8:05:02
